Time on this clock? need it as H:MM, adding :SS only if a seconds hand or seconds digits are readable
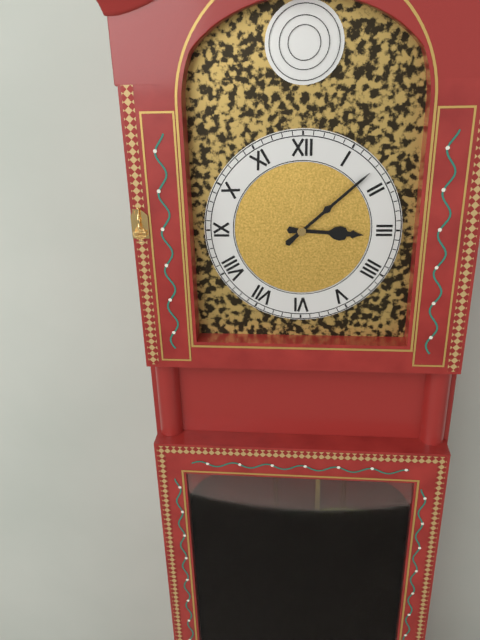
3:08
